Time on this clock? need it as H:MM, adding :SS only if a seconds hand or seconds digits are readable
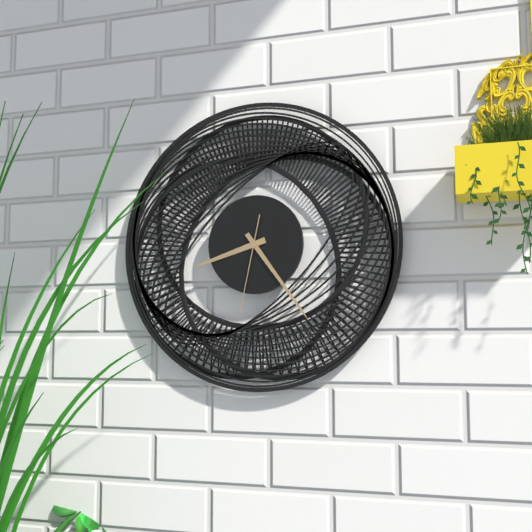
8:24:32
